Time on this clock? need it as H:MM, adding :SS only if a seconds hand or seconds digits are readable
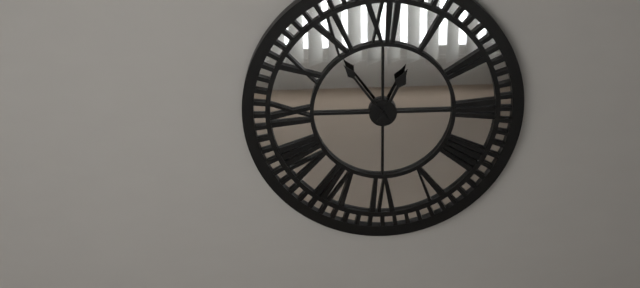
12:54
